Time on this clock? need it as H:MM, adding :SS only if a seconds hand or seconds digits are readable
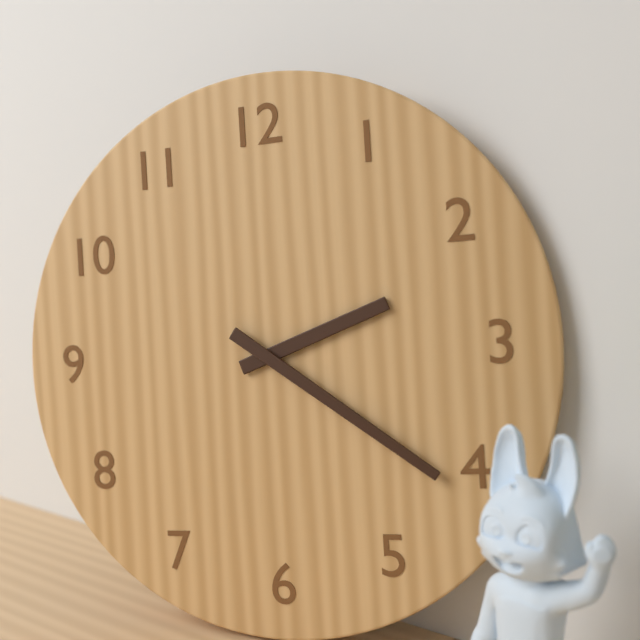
2:21
